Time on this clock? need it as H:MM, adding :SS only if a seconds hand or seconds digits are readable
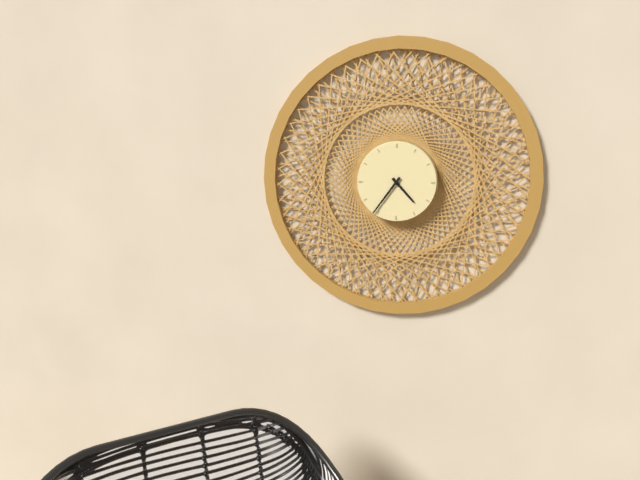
4:36
